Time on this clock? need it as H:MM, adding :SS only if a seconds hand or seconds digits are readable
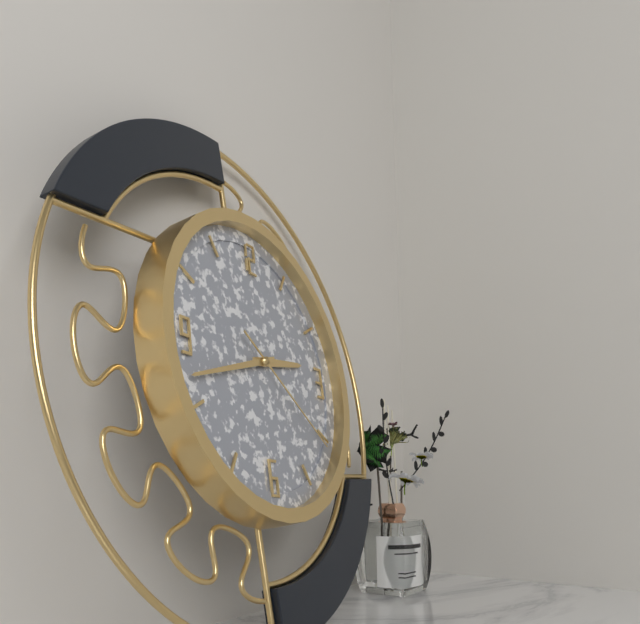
2:42:21
